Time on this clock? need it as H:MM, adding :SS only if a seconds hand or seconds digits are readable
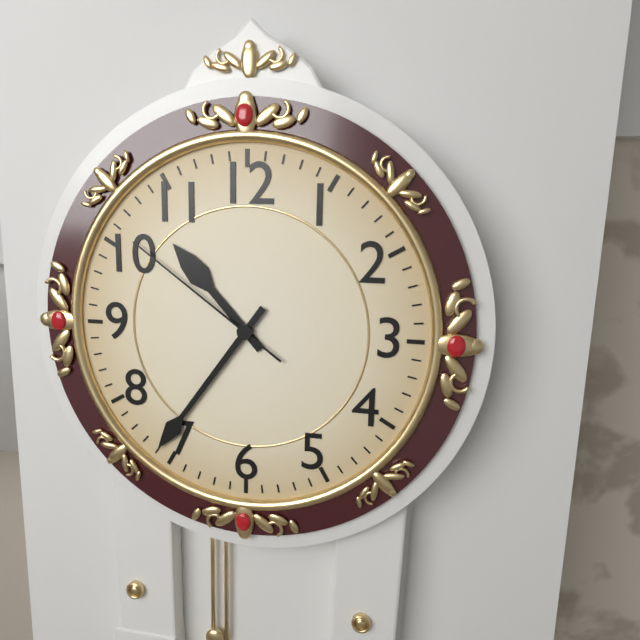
10:36:51
